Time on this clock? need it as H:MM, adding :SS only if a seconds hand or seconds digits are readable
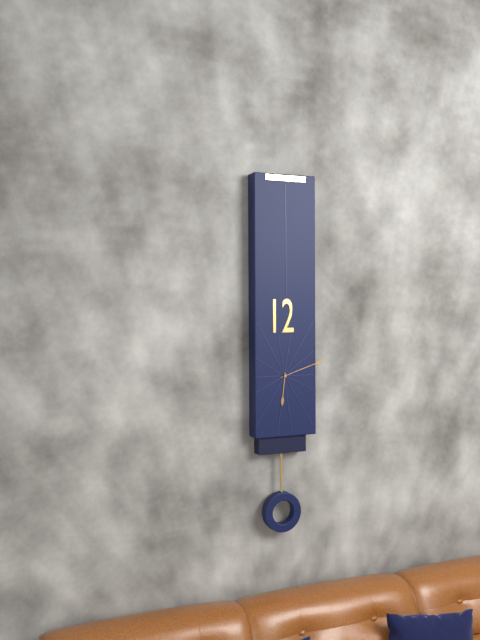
6:12
